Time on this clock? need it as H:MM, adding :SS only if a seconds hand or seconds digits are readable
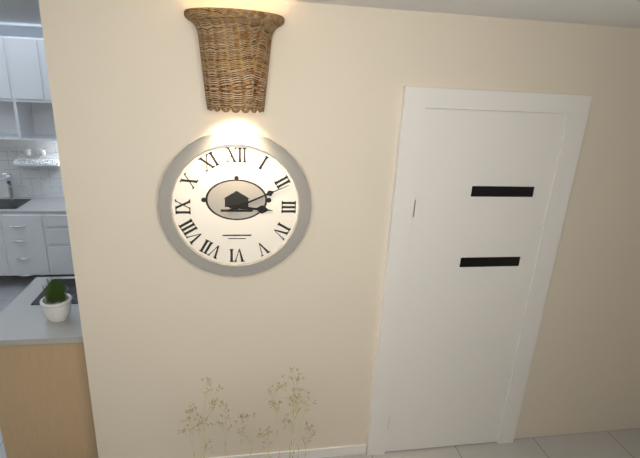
3:11
